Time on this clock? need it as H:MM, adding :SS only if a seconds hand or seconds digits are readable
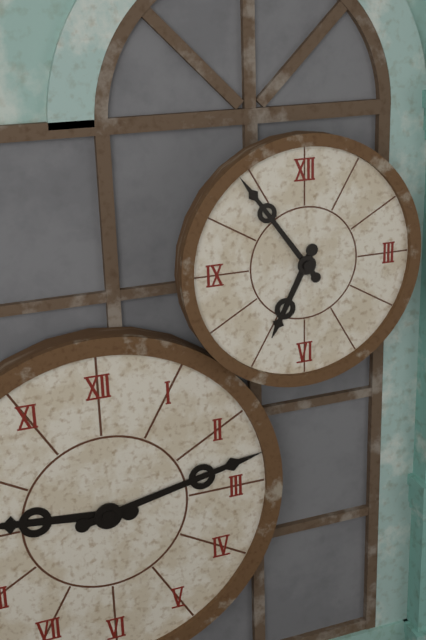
6:54
